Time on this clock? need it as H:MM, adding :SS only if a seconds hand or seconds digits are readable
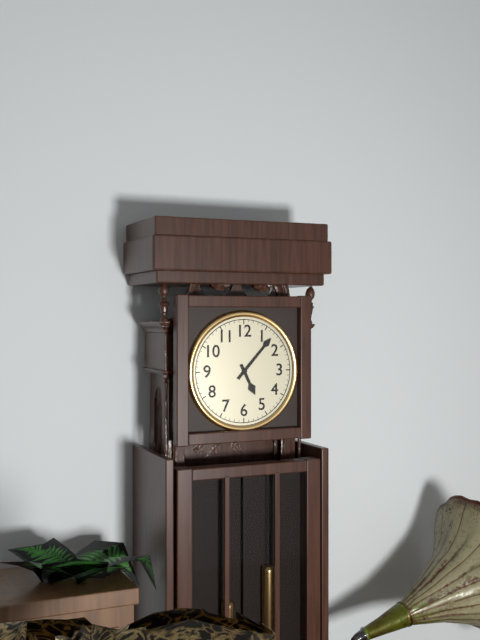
5:07
